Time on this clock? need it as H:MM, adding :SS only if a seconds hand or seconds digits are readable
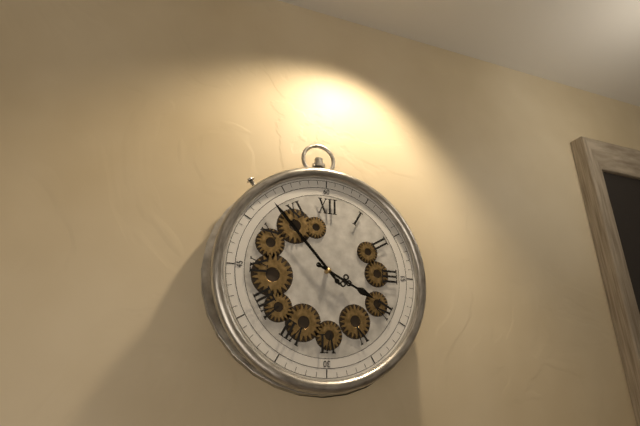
3:53
